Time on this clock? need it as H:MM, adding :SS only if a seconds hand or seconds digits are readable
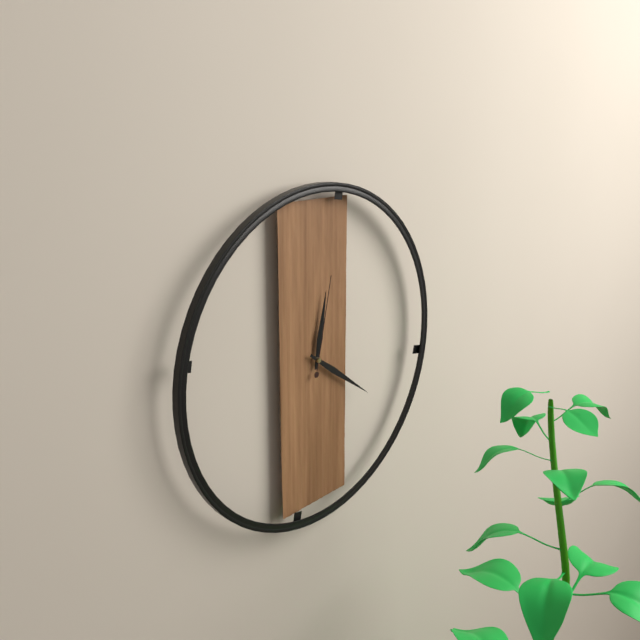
12:21:02
